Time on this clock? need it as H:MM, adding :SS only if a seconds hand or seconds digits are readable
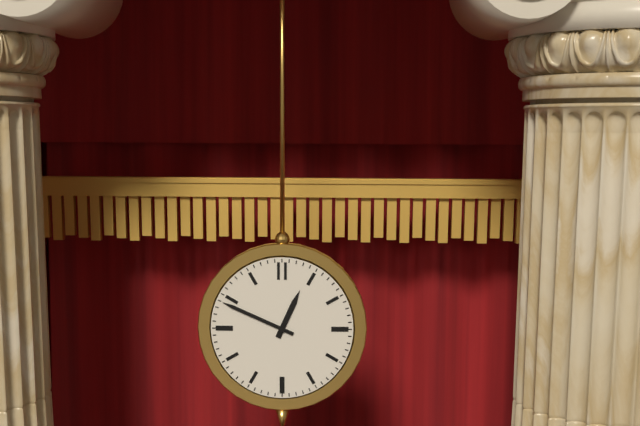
12:49
